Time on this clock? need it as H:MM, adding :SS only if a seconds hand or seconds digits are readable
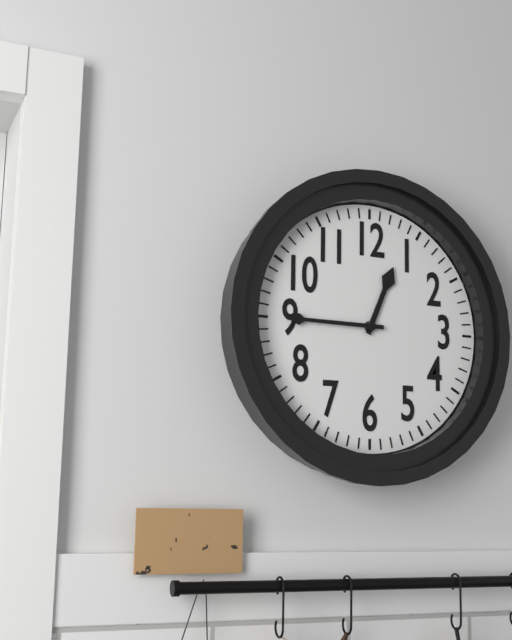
12:45
